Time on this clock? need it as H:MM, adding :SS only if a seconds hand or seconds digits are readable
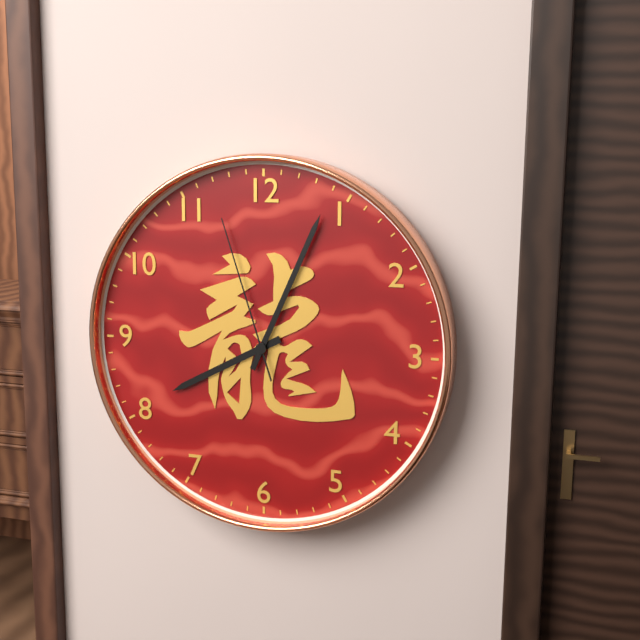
8:04:57
